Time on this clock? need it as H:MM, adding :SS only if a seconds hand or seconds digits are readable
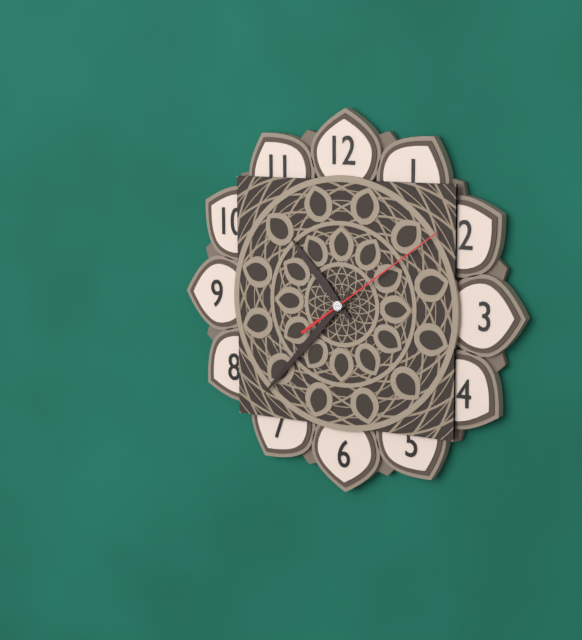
10:37:09
